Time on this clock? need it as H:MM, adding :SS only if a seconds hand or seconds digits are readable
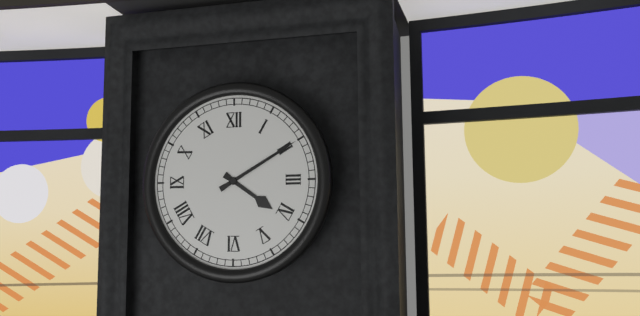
4:10
